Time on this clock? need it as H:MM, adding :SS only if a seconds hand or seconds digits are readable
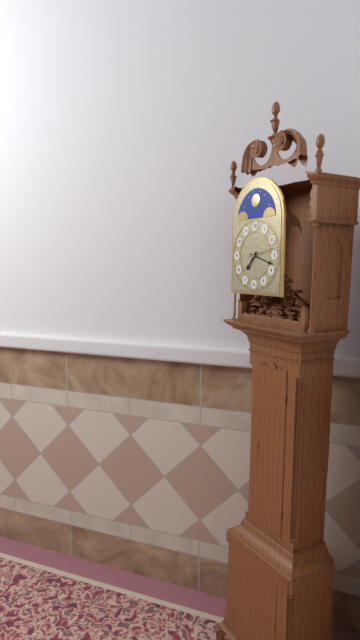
7:18
